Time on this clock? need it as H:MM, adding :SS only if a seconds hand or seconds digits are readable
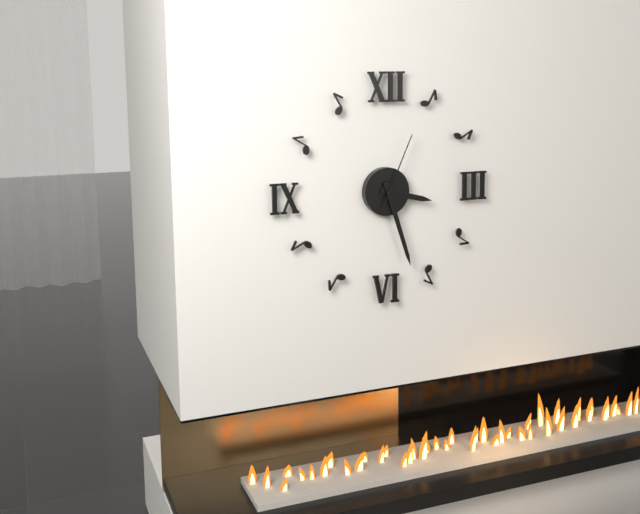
3:27:04
